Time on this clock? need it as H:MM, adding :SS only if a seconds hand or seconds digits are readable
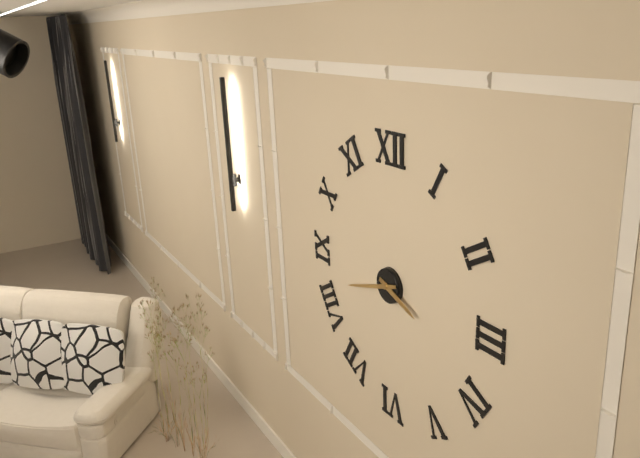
3:42
